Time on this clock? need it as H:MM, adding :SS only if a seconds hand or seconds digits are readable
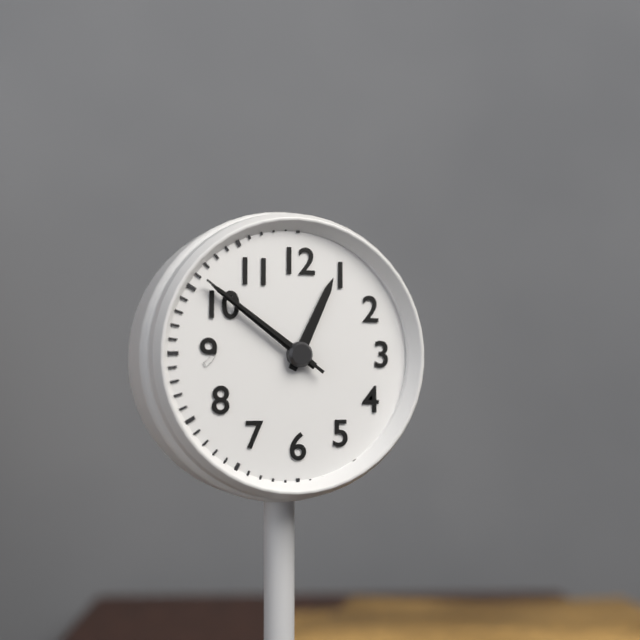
12:51:51
